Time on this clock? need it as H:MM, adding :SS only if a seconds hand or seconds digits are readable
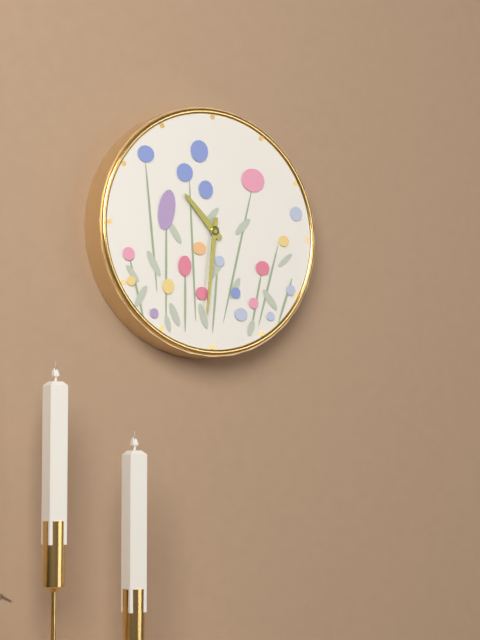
10:31
